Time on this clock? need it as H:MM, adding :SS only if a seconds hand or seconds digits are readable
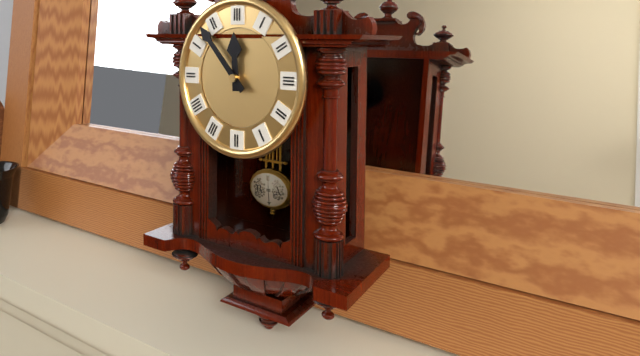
11:53
